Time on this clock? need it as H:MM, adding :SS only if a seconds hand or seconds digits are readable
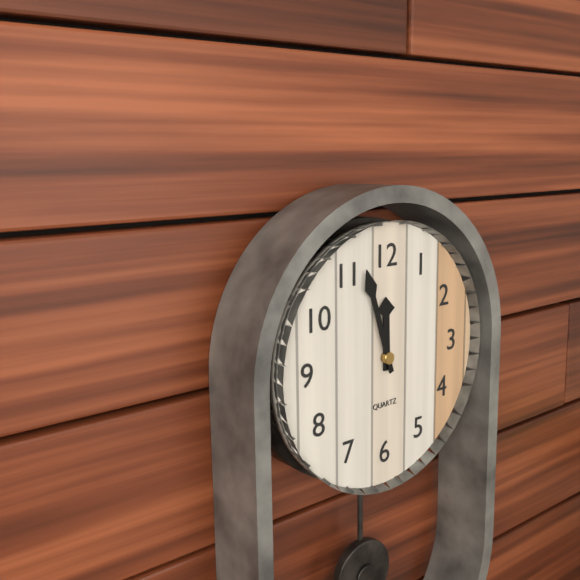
11:57
